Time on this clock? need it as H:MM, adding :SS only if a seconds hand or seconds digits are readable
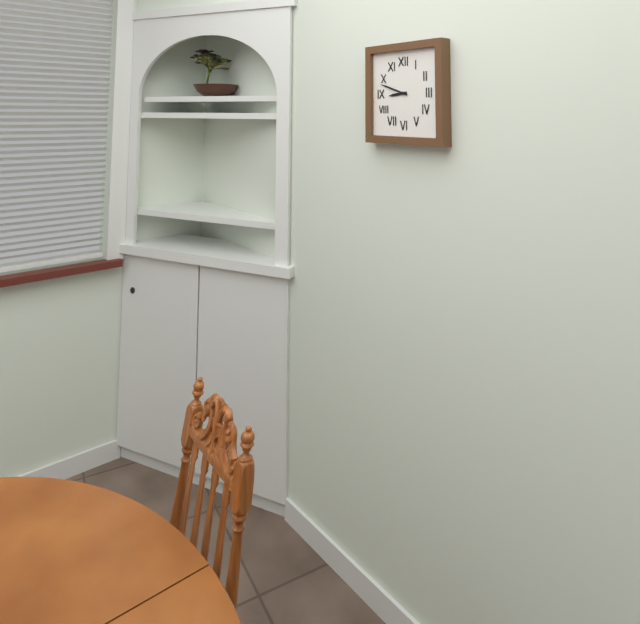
8:48
